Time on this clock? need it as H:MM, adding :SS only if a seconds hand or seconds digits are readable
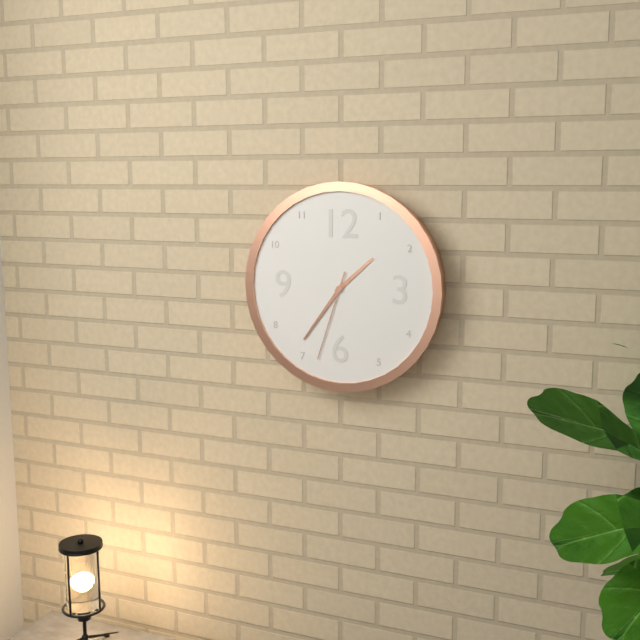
1:36:33
